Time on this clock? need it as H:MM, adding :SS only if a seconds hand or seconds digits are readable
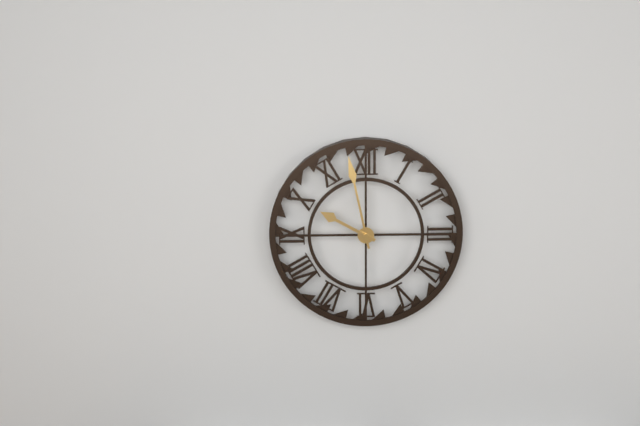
9:58
